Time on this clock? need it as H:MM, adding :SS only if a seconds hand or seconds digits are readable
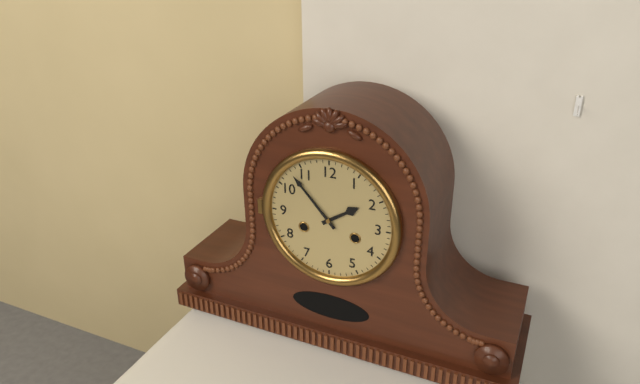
1:53
